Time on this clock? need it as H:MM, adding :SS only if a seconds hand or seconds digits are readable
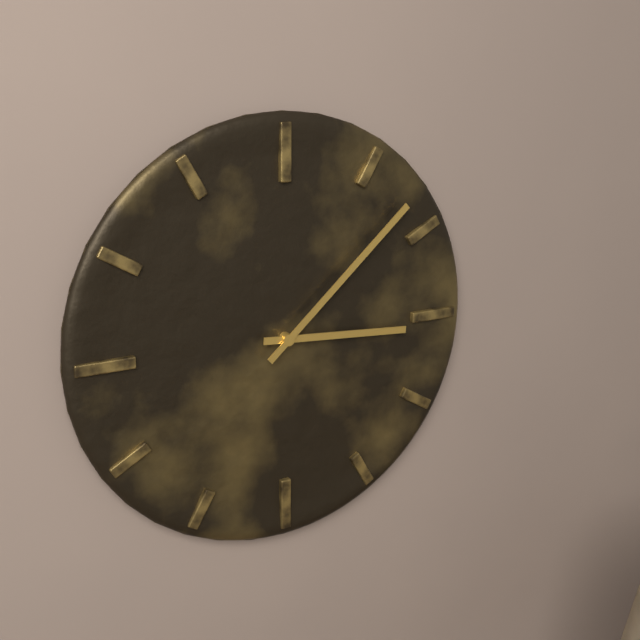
3:08
